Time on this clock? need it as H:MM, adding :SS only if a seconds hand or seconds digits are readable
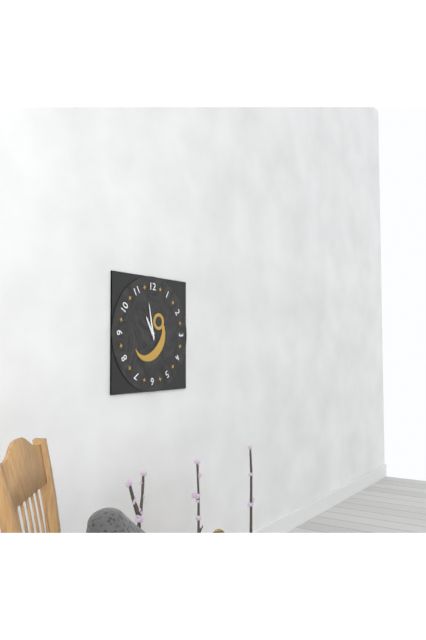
10:58
